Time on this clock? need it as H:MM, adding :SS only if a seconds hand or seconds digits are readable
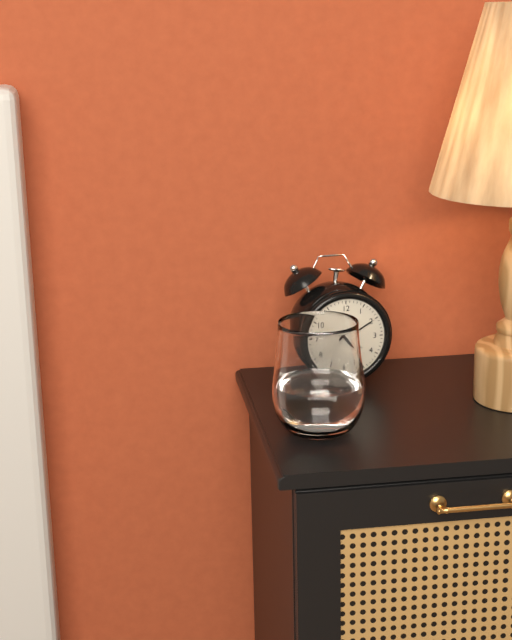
4:10
